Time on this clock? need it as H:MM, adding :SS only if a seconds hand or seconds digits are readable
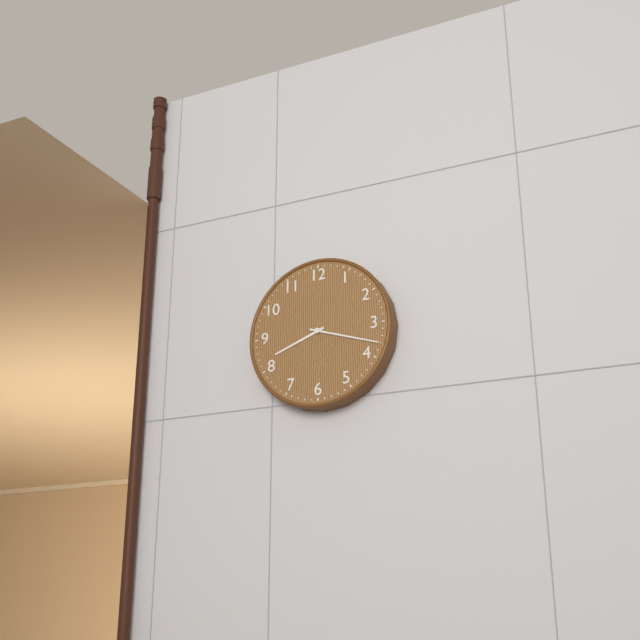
8:18
